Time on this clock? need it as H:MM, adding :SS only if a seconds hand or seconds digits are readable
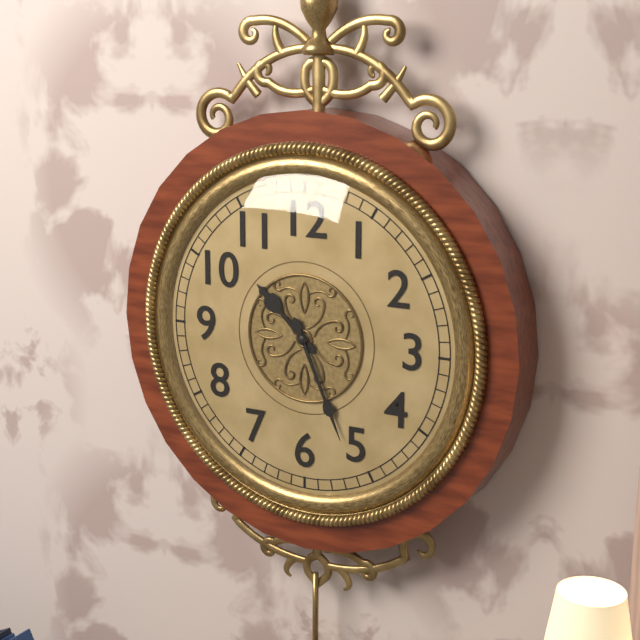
10:26
